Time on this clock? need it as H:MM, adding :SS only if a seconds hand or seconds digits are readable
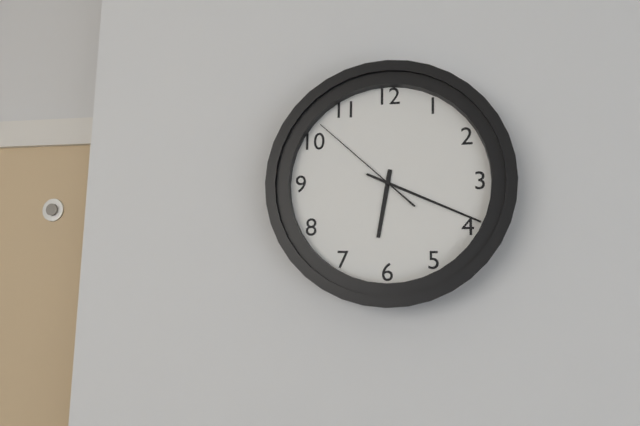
6:19:52
